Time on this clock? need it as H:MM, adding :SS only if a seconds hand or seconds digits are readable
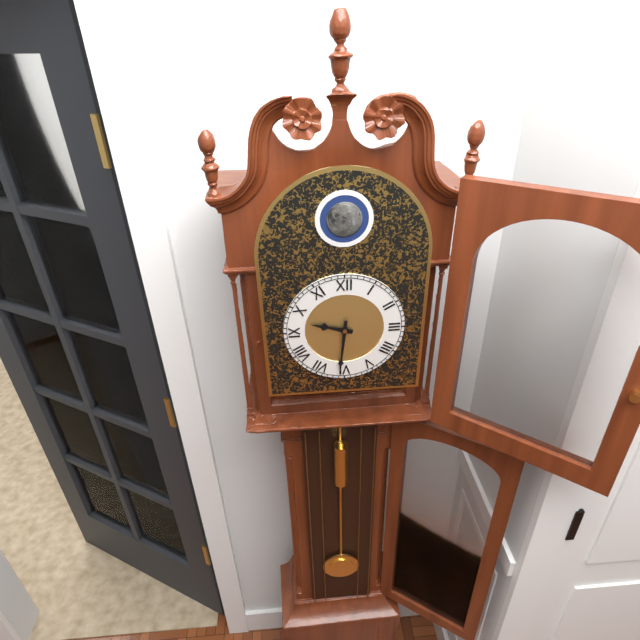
9:31
